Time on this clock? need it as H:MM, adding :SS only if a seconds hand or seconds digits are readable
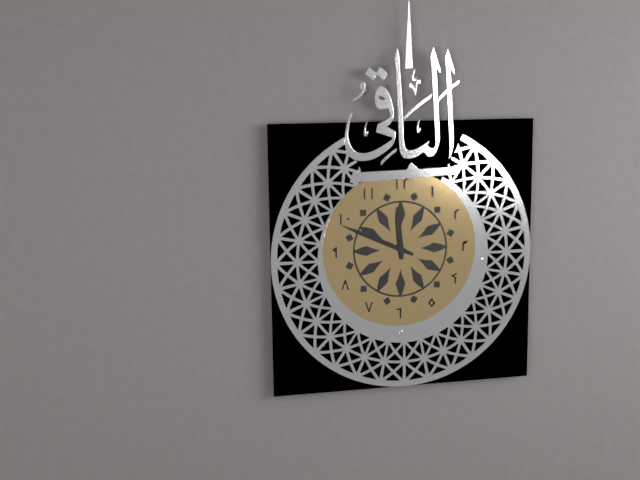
11:49
